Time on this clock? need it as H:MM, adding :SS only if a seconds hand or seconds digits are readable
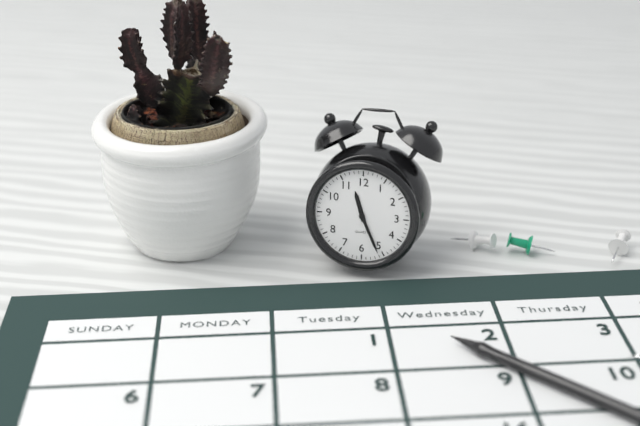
11:26
